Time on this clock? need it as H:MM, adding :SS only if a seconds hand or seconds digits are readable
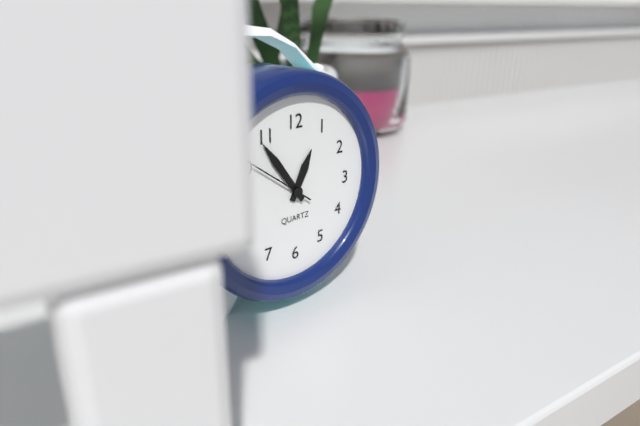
12:54:51
